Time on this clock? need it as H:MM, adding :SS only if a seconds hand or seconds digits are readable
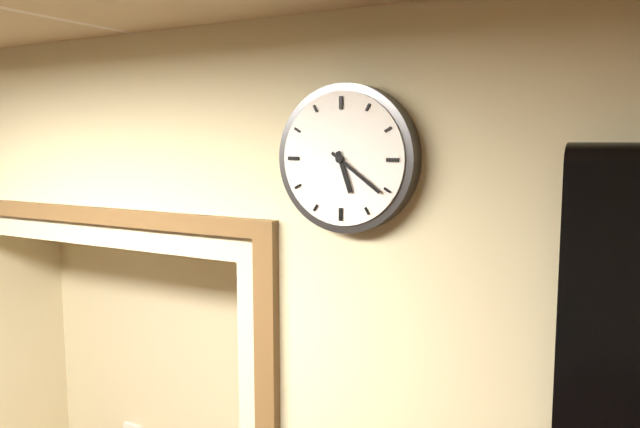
5:21
